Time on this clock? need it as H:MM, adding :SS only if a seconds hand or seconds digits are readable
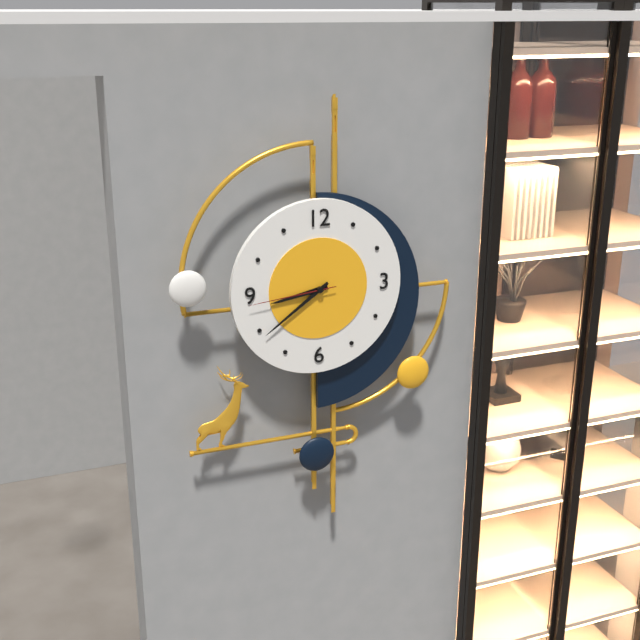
8:39:44
